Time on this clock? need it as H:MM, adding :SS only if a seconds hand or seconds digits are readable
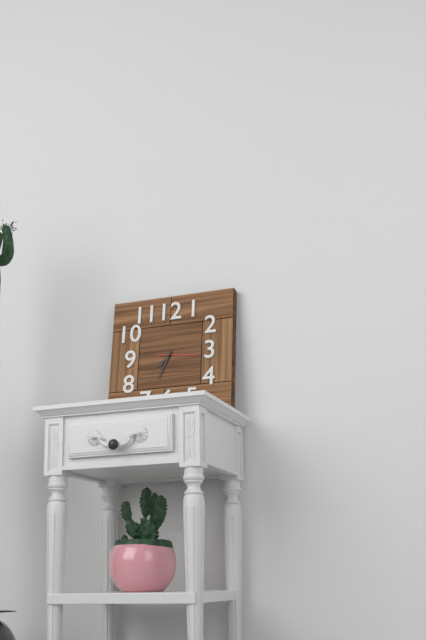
7:34
